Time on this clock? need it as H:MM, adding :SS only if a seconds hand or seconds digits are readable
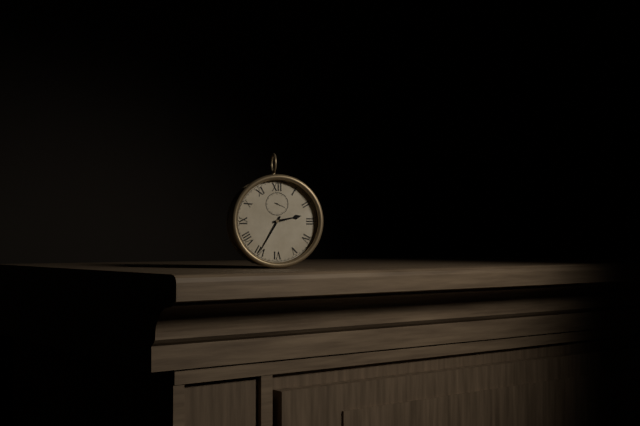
2:35
